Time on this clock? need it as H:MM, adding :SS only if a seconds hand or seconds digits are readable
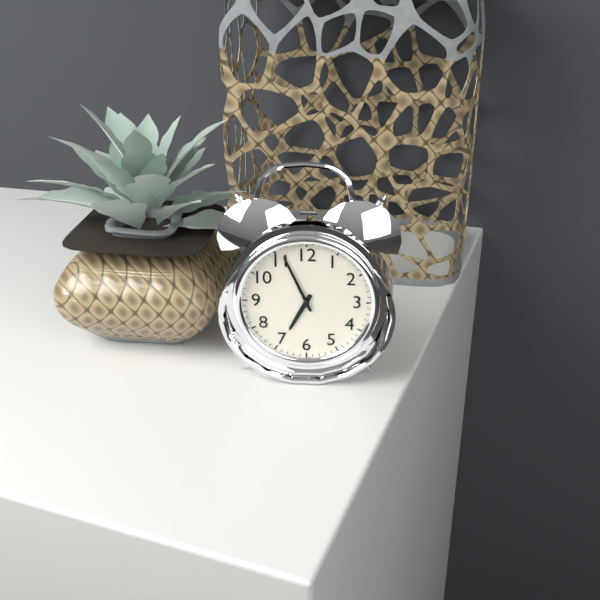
6:56
